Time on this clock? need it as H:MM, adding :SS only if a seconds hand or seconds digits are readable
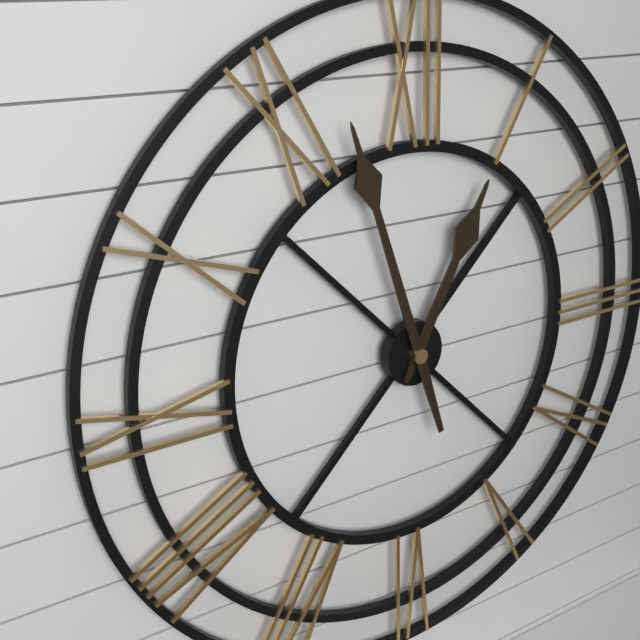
12:57
